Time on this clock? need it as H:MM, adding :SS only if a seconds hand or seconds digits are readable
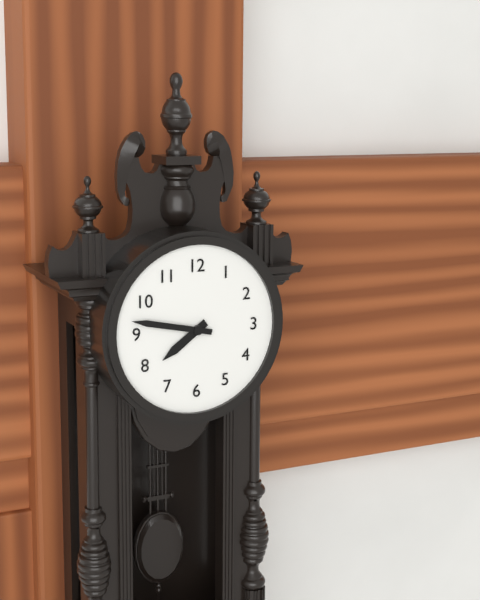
7:47
